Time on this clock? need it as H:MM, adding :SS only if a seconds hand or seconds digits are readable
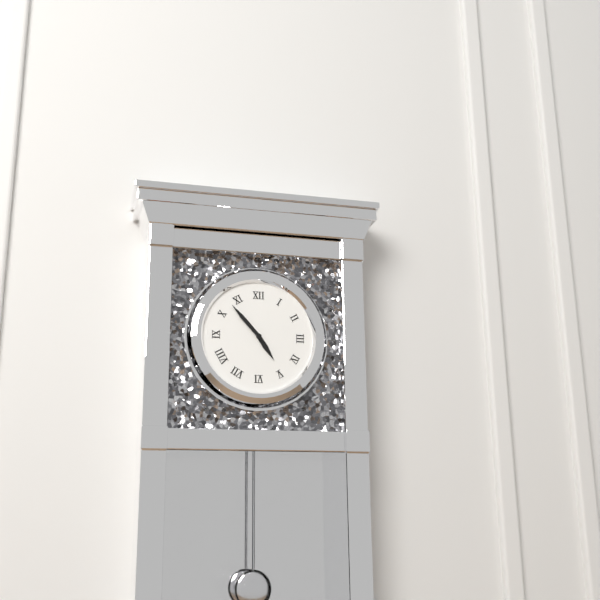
4:53
